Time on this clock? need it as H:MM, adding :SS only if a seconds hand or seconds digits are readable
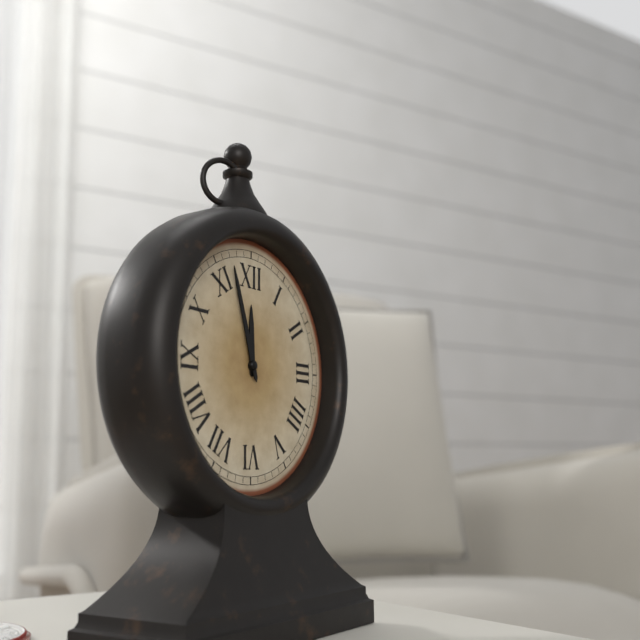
11:57
